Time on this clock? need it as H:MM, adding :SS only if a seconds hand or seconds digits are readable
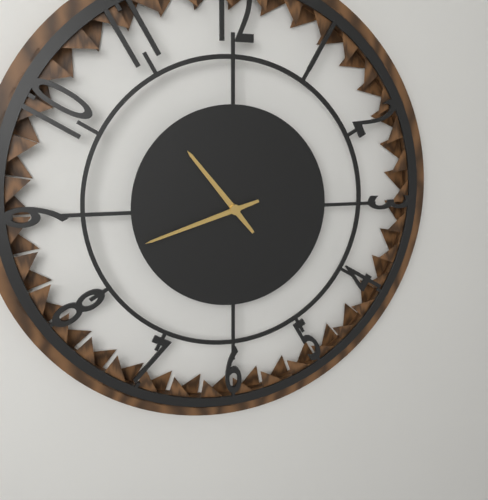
10:42
